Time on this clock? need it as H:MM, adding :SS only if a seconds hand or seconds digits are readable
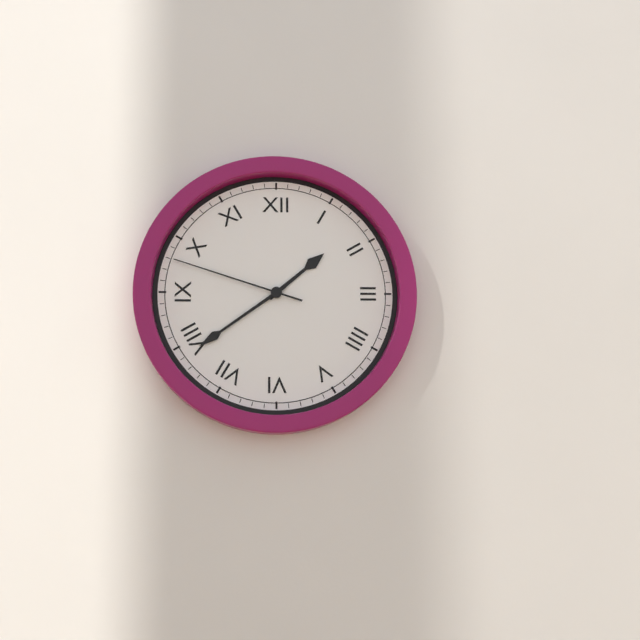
1:39:48
